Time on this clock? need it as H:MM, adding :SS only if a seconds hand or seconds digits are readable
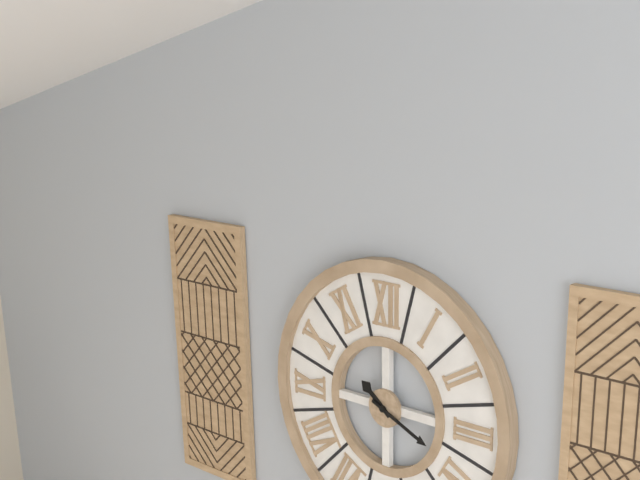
10:19
